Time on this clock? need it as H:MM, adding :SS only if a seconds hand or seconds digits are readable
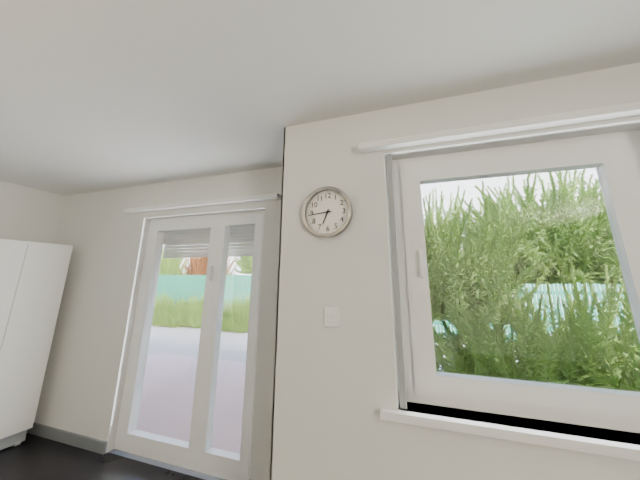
6:44
